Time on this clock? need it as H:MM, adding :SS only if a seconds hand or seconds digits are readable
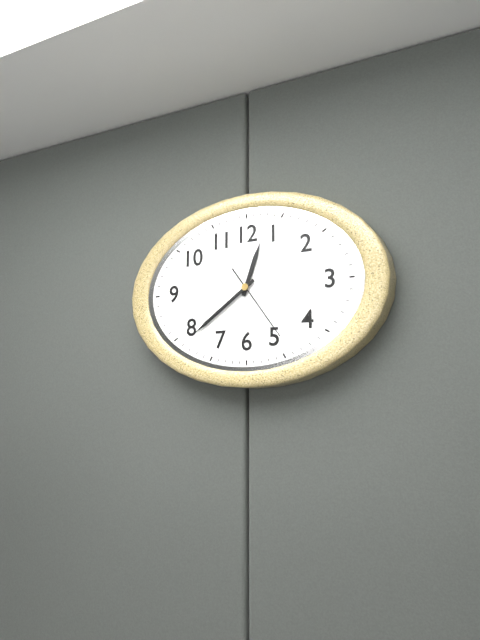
12:39:24
